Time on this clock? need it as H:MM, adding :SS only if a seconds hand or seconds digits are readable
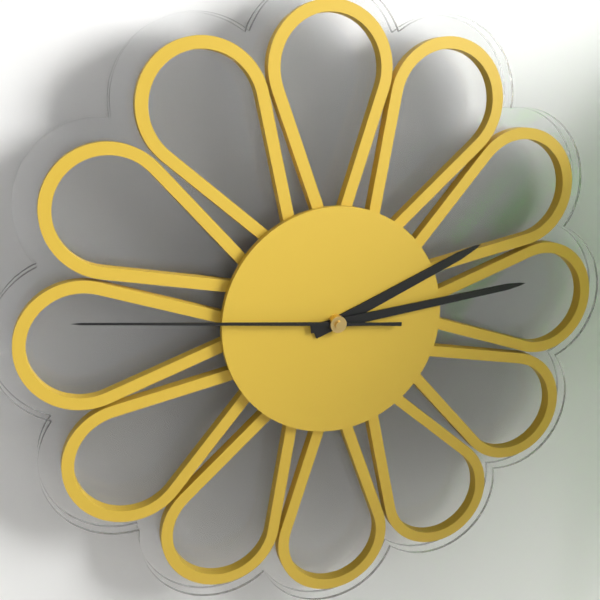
2:14:46
